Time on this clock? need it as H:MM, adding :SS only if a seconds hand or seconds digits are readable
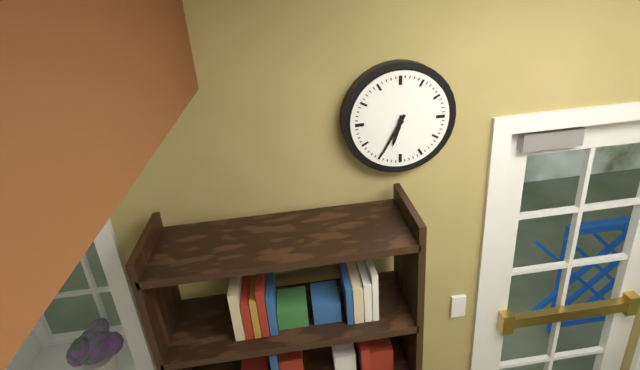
6:35
